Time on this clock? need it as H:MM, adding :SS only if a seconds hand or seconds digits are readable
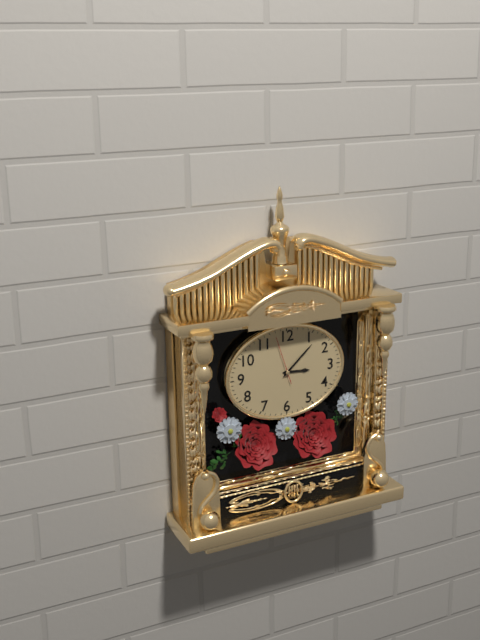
3:08
